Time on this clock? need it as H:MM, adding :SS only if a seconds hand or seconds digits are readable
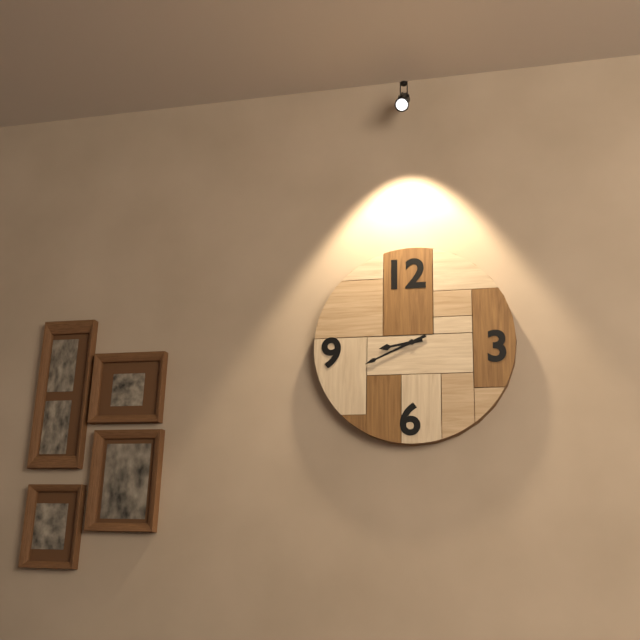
8:41
